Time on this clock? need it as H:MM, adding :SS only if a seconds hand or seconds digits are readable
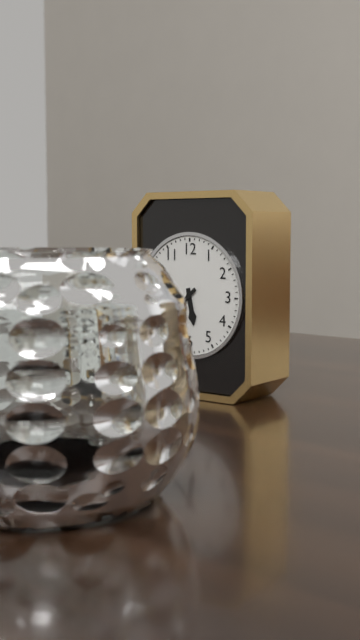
5:38
